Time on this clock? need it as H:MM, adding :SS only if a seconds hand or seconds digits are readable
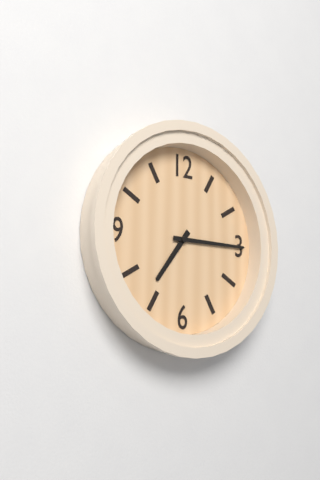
7:15
